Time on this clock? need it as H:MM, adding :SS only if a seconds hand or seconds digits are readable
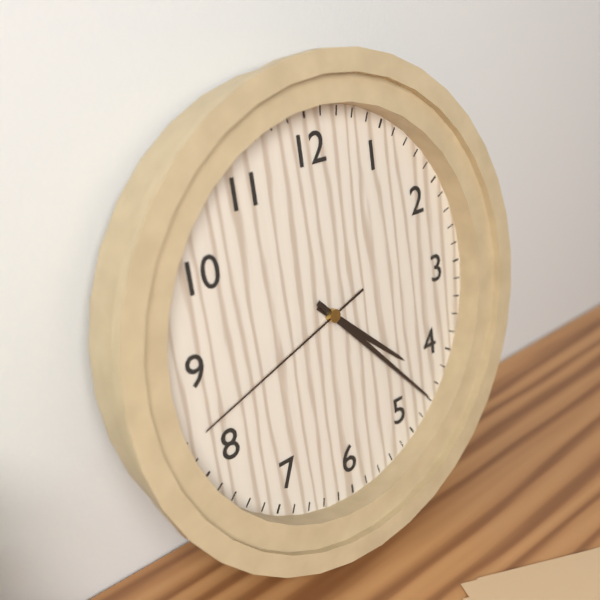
4:23:42
